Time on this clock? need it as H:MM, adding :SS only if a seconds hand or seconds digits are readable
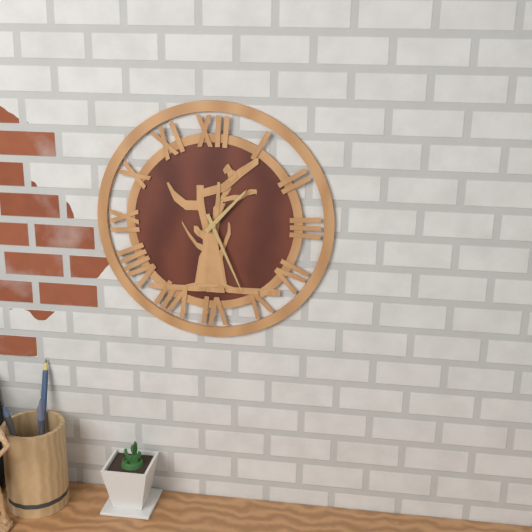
1:26
